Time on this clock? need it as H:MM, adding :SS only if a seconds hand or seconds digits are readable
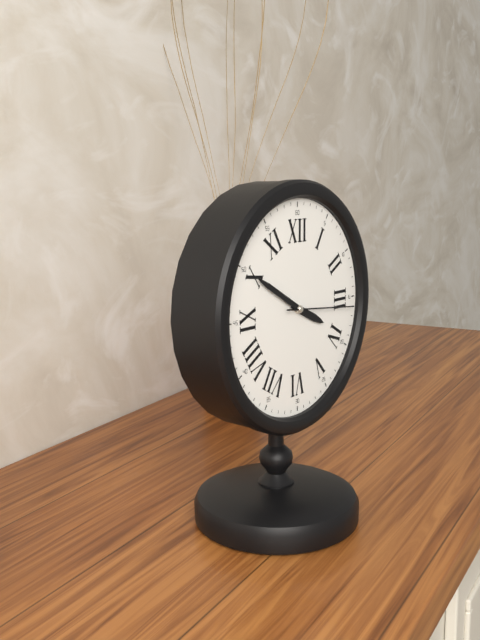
3:50:16
